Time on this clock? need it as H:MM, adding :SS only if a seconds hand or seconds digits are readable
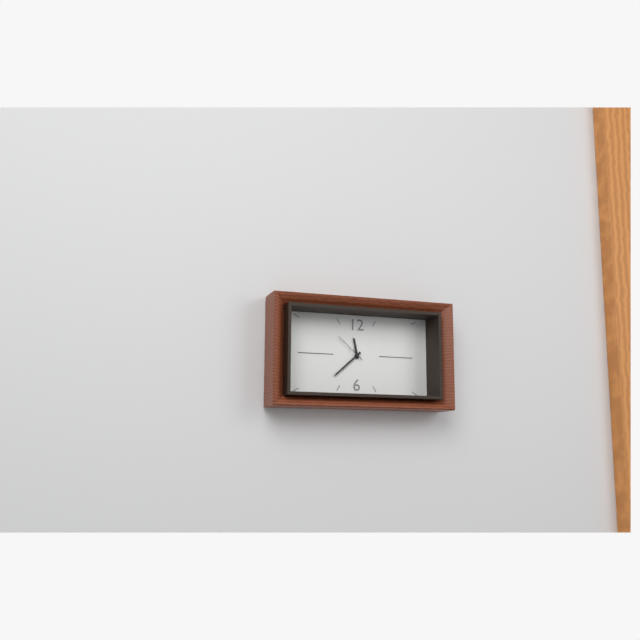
11:38
